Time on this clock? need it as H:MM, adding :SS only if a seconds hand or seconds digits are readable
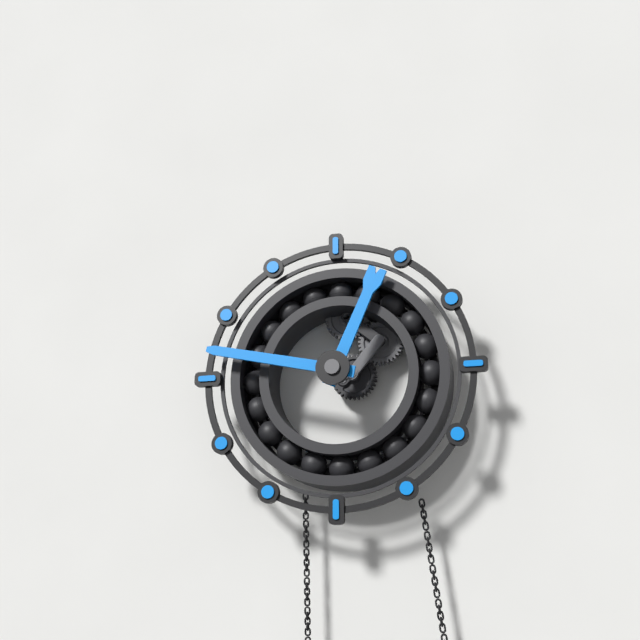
12:47
